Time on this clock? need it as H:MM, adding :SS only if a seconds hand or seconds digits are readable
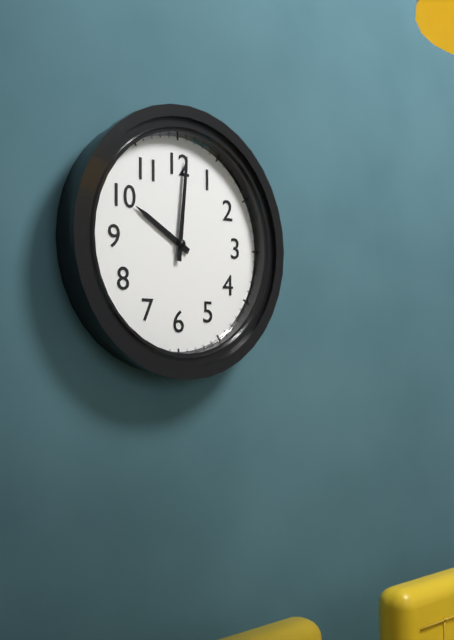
10:01
